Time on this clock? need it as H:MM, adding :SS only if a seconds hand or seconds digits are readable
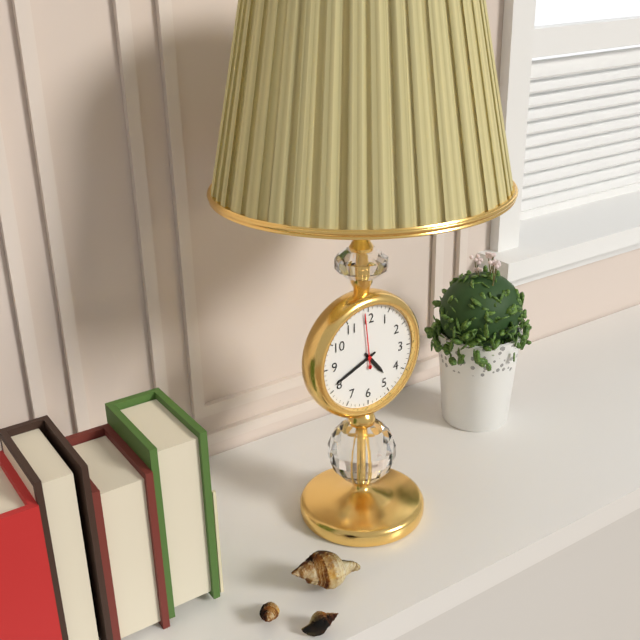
4:41:59
